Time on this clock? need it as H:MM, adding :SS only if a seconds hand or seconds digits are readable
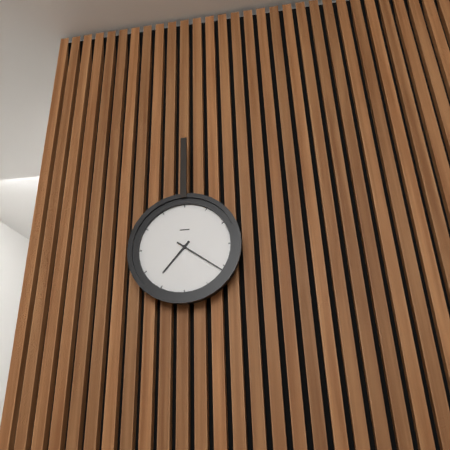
7:21
